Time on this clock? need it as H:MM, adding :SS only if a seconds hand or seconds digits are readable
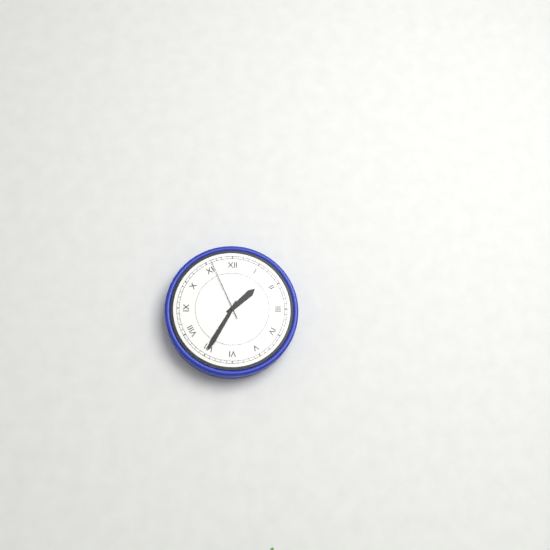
1:35:56
